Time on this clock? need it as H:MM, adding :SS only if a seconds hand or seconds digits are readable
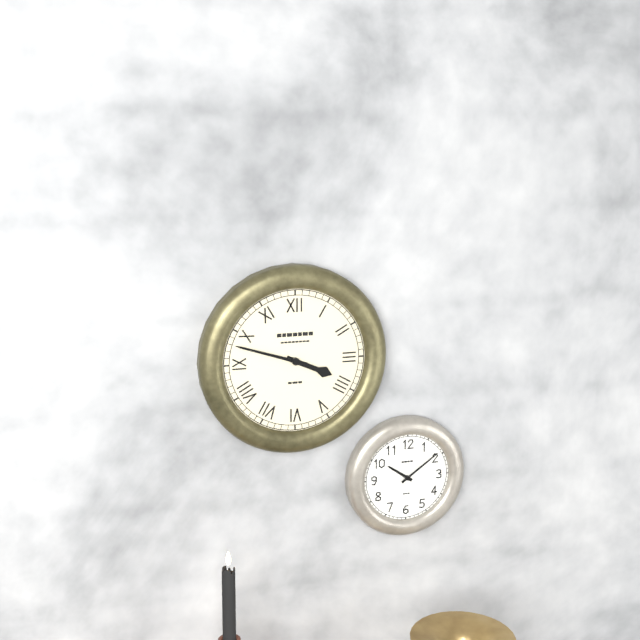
3:48
